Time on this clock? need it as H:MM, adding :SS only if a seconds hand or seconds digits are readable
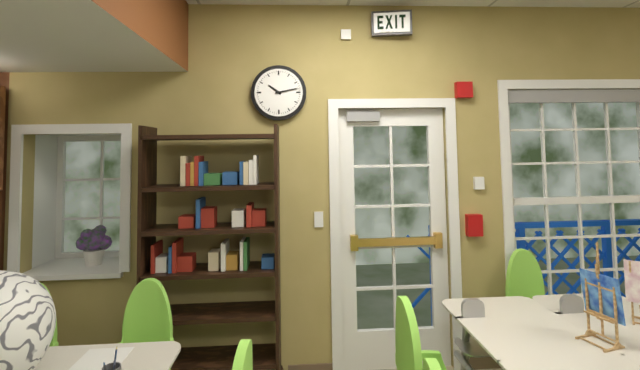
10:13
